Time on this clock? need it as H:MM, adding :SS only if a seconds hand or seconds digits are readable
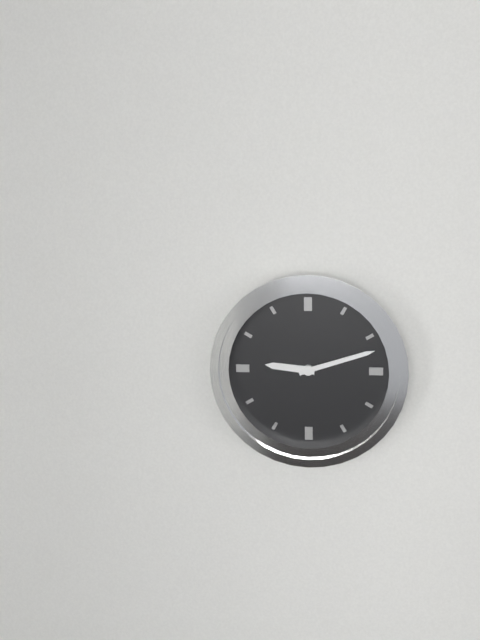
9:12
